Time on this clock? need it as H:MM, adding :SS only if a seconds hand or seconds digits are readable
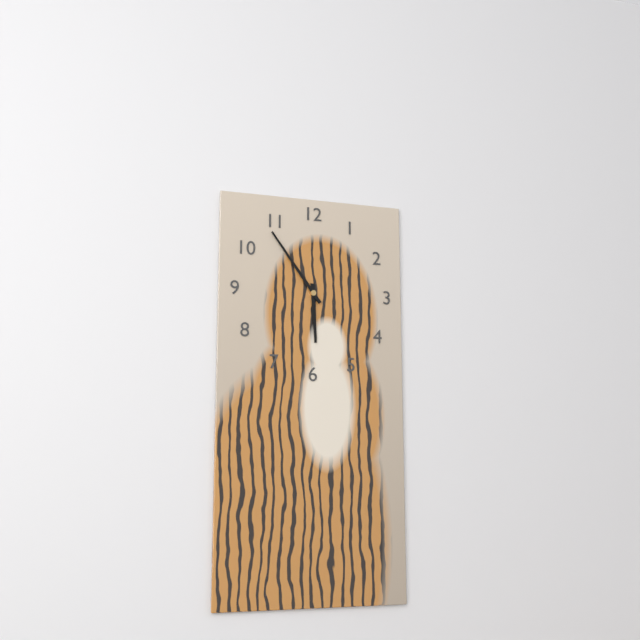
5:54
